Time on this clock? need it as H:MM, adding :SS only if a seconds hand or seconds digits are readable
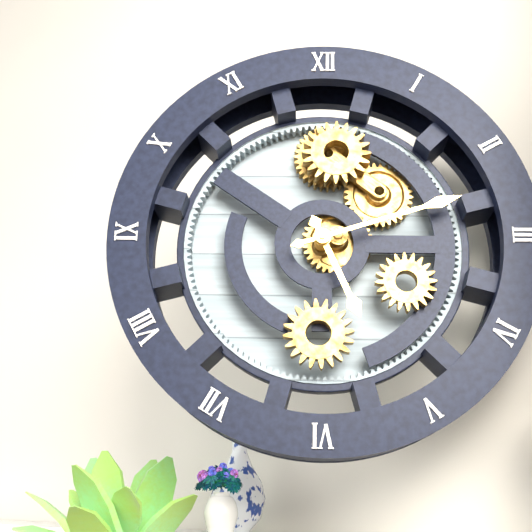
5:12
